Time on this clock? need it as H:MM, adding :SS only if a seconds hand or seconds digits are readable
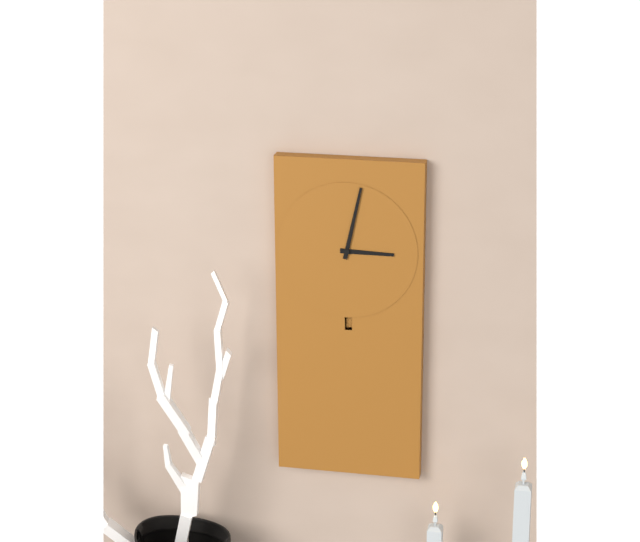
3:02
